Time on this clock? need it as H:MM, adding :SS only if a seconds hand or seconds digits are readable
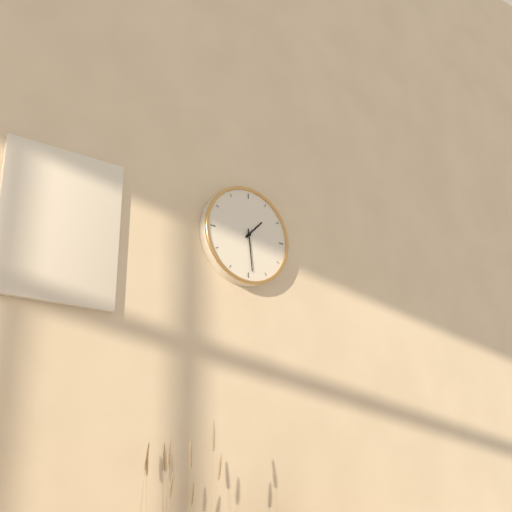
1:29
